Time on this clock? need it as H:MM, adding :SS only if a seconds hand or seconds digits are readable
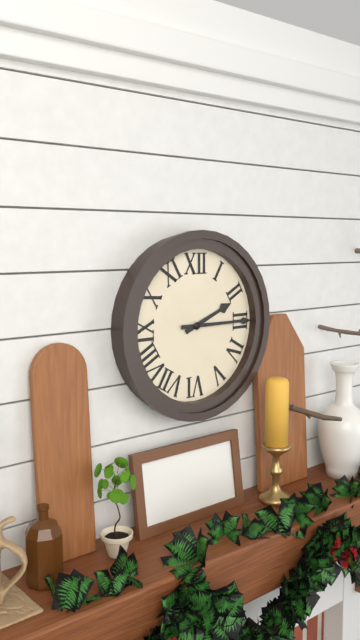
2:15
